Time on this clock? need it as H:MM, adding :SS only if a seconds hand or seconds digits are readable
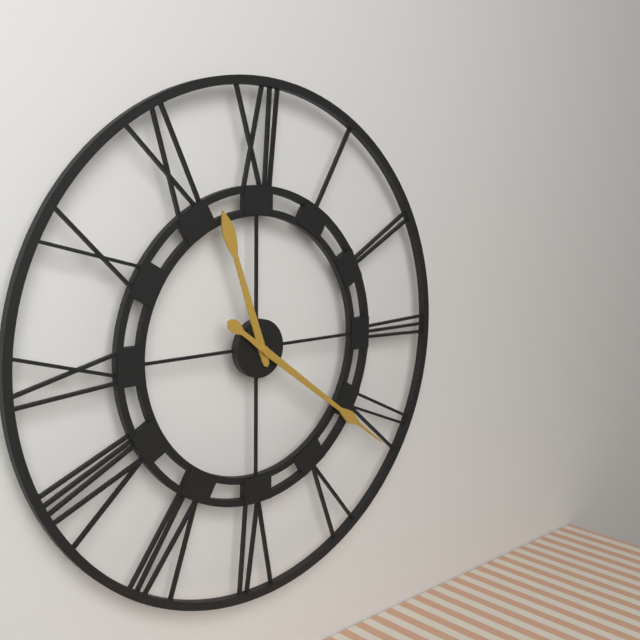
11:21
